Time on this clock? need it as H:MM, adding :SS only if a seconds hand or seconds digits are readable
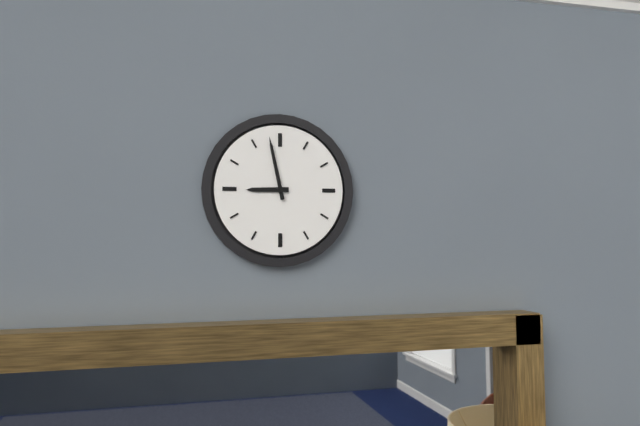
8:58
